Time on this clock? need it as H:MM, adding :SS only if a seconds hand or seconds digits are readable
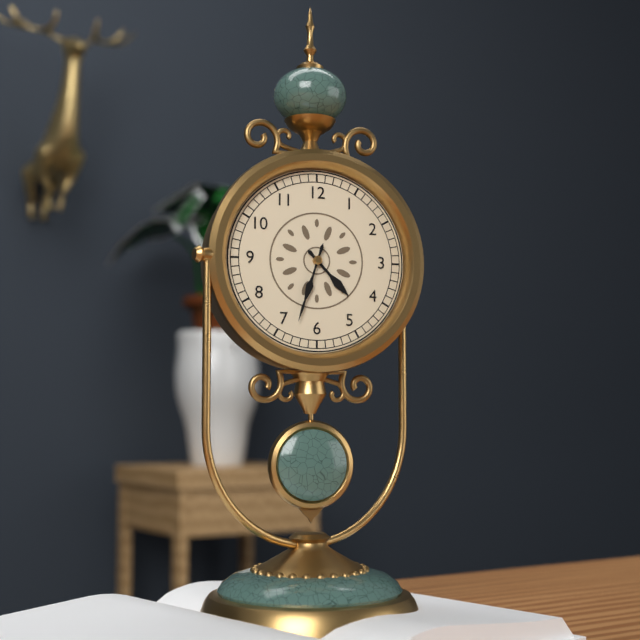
4:33
